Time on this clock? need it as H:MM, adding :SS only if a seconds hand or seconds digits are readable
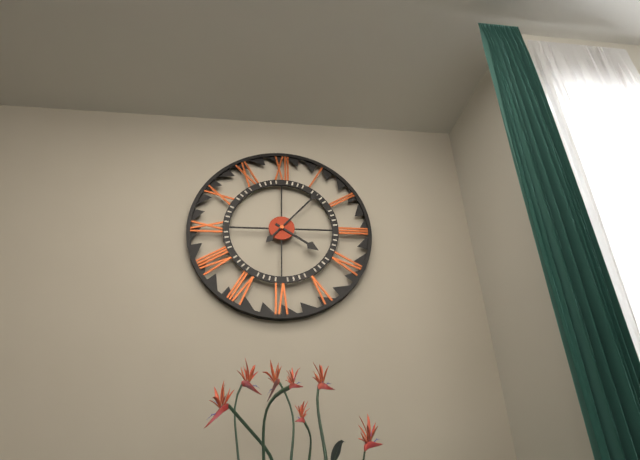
4:07
